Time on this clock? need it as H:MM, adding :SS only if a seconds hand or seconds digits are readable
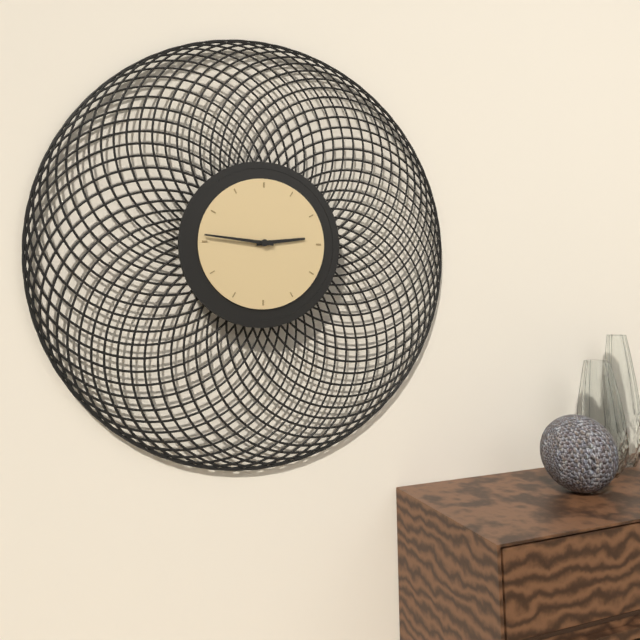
2:46
